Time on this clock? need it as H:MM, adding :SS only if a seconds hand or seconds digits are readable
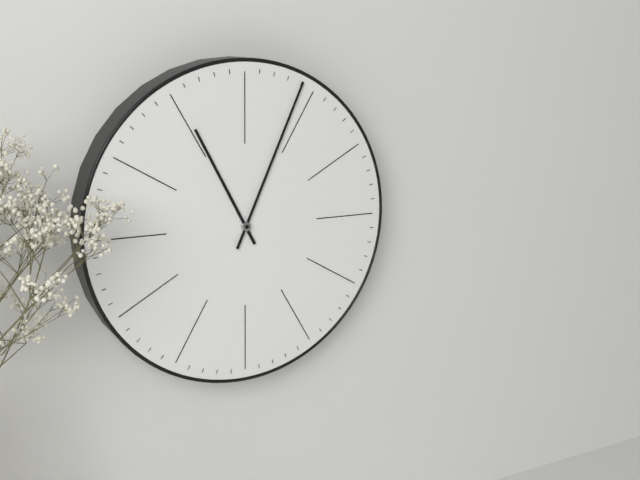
11:04
